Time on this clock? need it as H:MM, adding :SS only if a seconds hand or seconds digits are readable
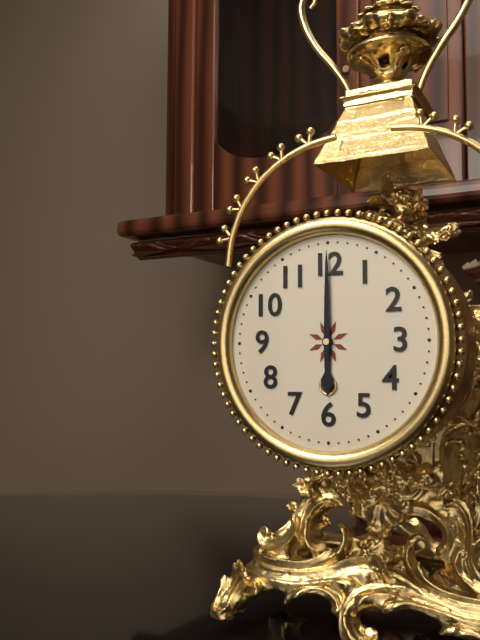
6:00
